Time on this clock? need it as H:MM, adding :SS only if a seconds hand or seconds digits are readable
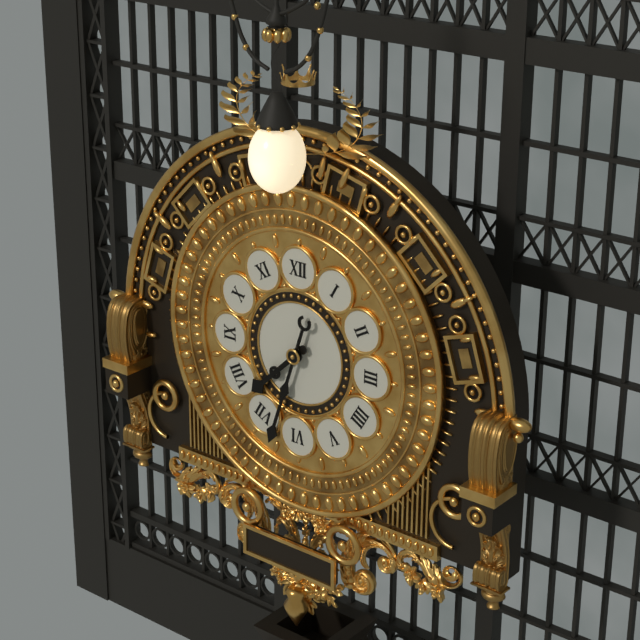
7:33
